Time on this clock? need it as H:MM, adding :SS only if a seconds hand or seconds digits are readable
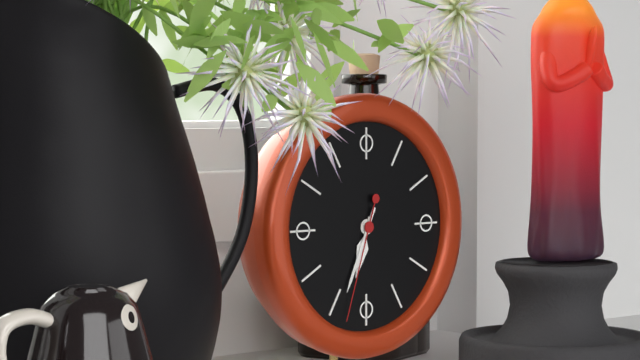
6:34:33
